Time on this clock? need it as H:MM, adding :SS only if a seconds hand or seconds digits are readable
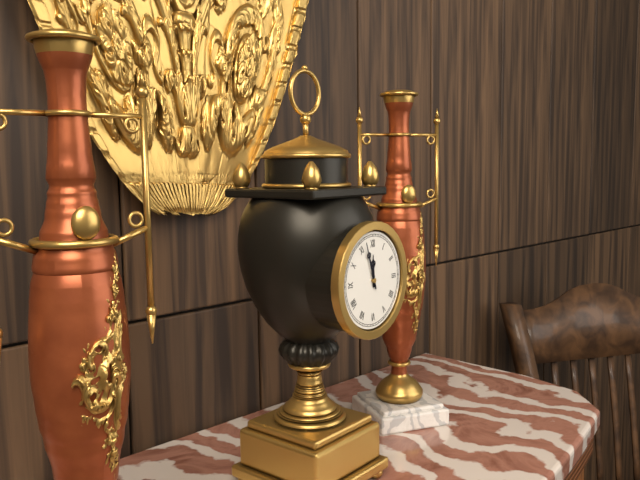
11:57
